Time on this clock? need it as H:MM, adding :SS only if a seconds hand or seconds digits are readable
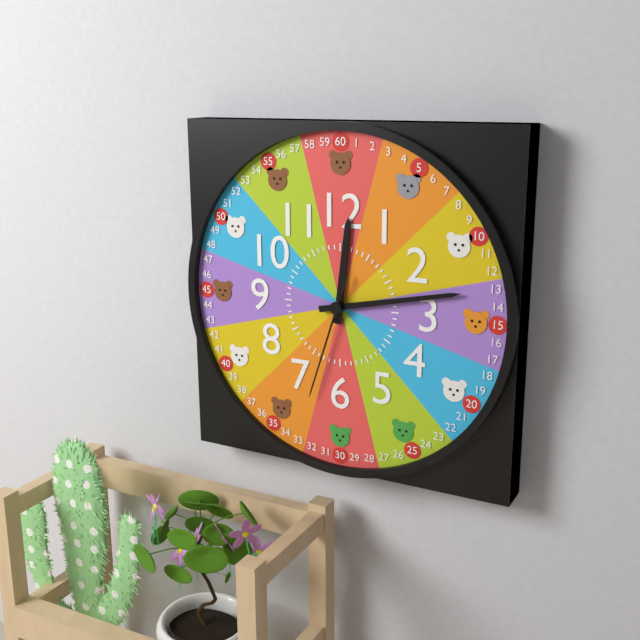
12:13:33
